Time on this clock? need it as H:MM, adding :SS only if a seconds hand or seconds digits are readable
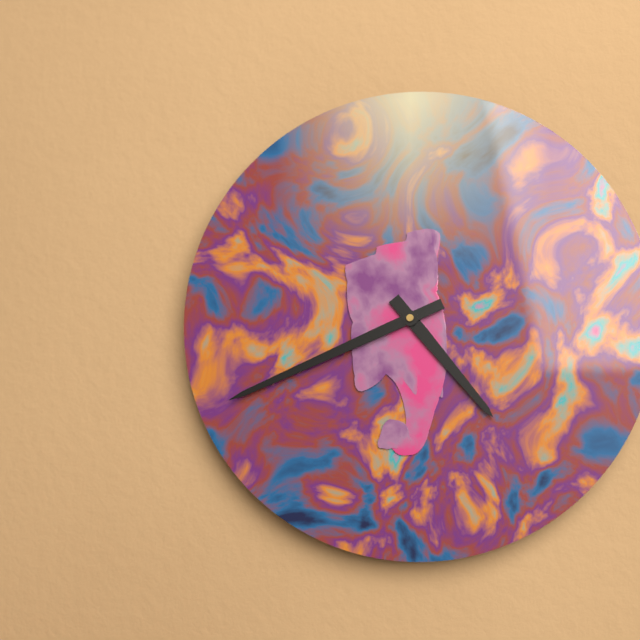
4:41
